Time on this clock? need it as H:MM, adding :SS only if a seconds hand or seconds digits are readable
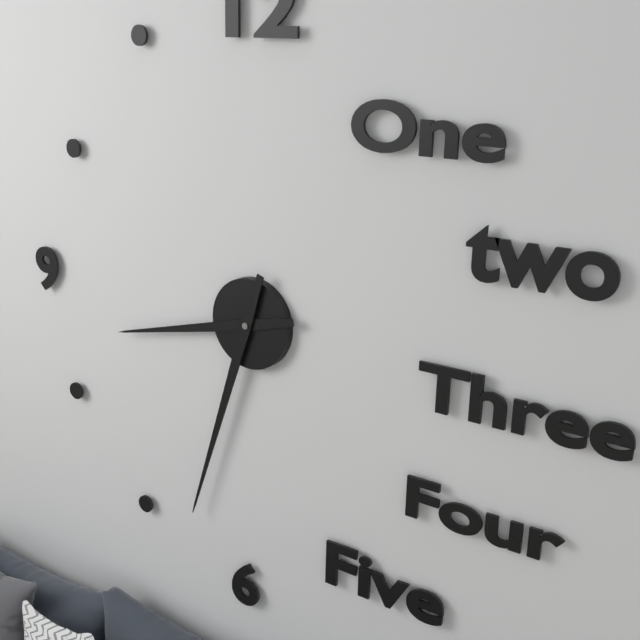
8:33
